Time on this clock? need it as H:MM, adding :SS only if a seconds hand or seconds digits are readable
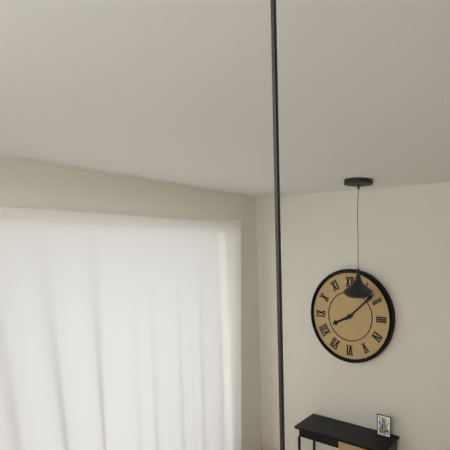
8:08
